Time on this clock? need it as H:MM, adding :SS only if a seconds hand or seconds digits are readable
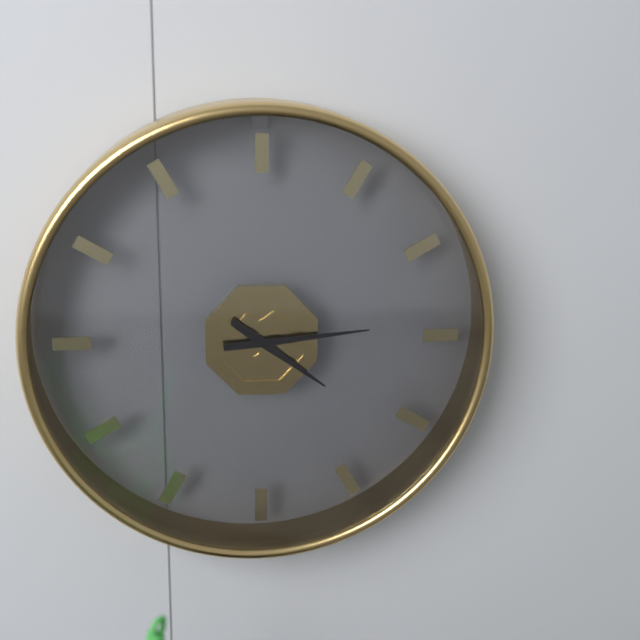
4:14
